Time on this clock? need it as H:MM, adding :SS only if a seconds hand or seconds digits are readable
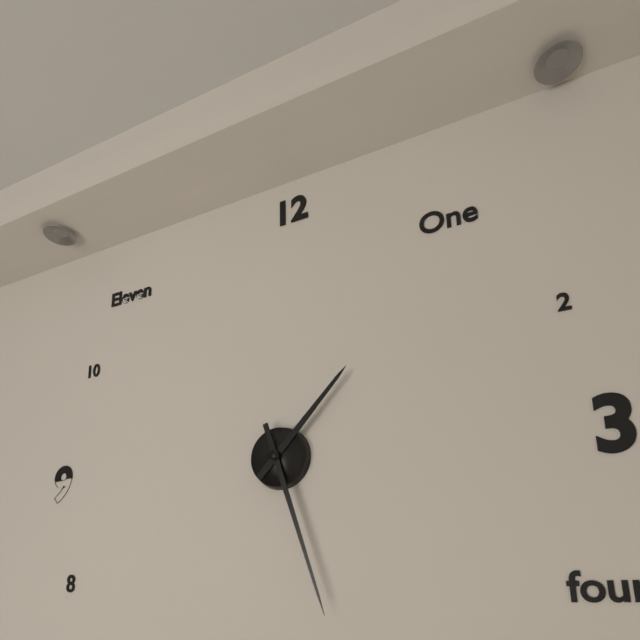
1:27
